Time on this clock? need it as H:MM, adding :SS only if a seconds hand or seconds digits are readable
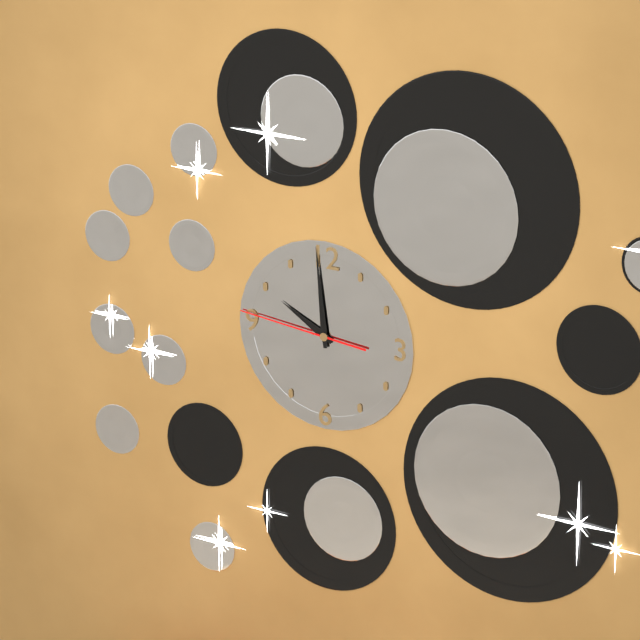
9:59:46
